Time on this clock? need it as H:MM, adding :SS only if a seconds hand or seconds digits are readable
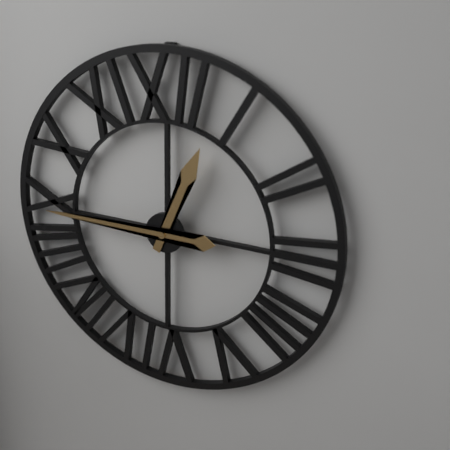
12:45
